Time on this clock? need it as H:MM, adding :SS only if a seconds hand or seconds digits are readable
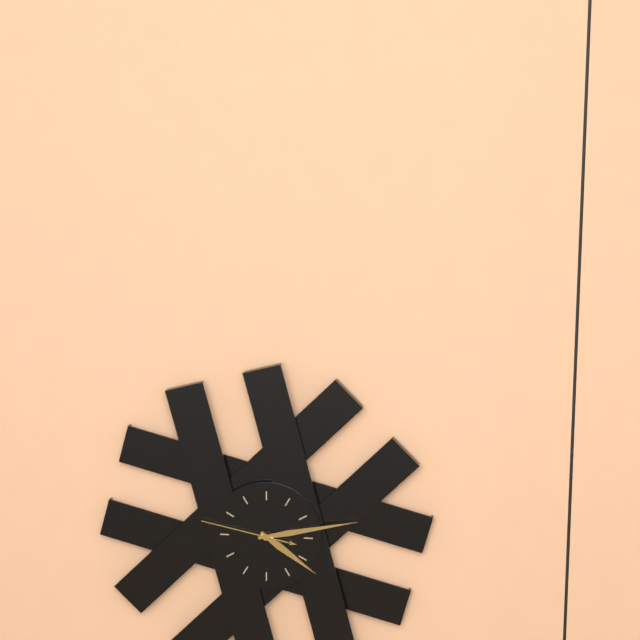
4:13:47
